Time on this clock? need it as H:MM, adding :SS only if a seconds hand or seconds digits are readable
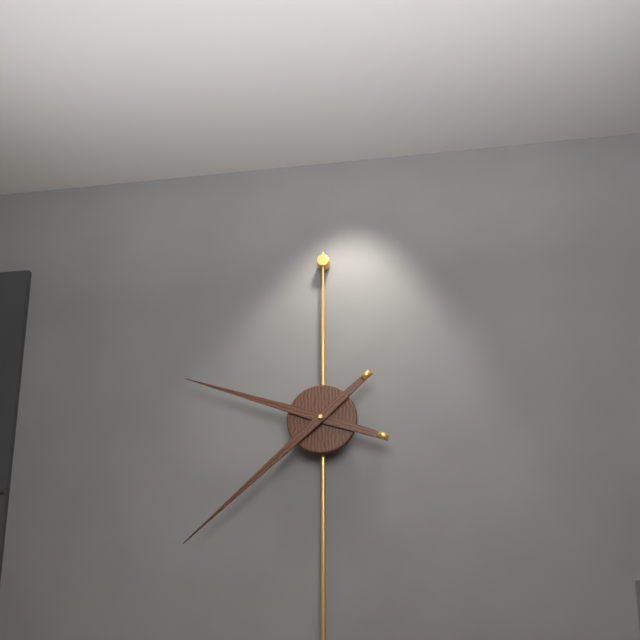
9:38
